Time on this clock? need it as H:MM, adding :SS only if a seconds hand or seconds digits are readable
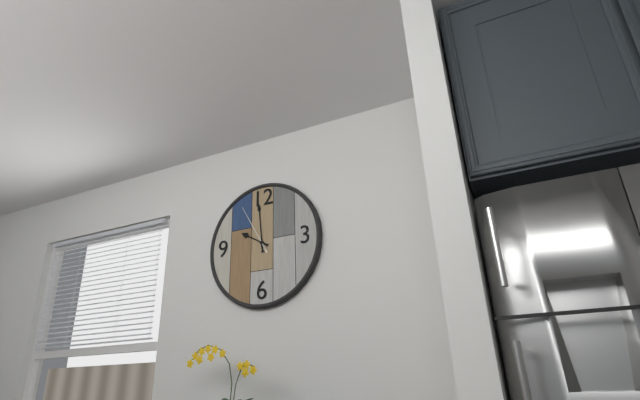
9:59:55
